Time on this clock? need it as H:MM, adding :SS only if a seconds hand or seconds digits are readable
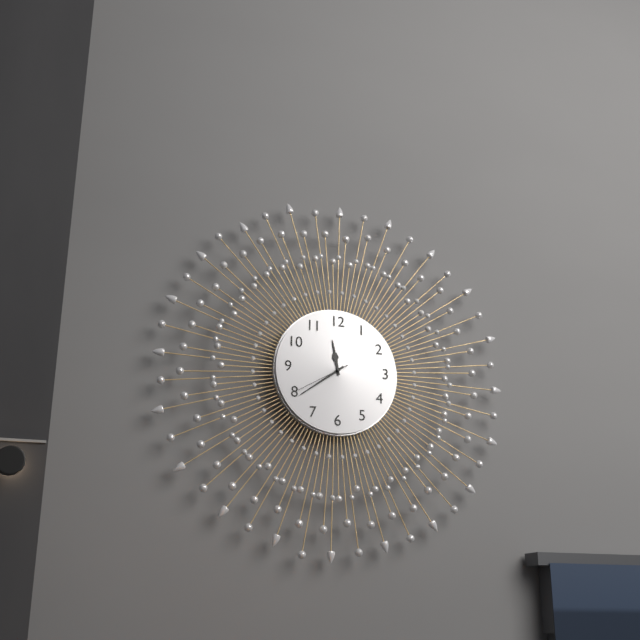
11:39:40
